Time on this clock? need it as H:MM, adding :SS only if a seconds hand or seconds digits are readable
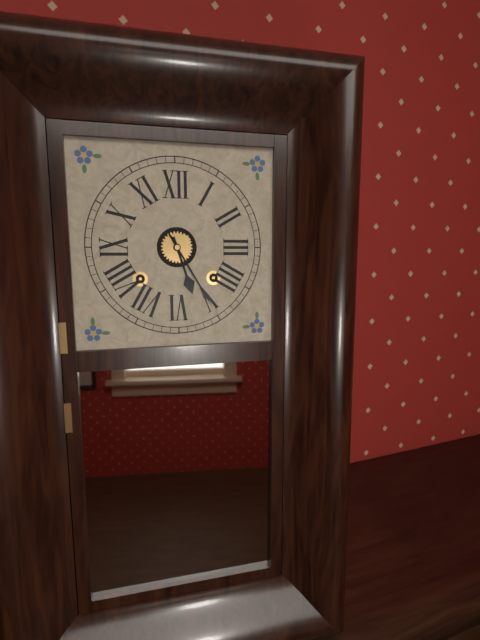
5:25
